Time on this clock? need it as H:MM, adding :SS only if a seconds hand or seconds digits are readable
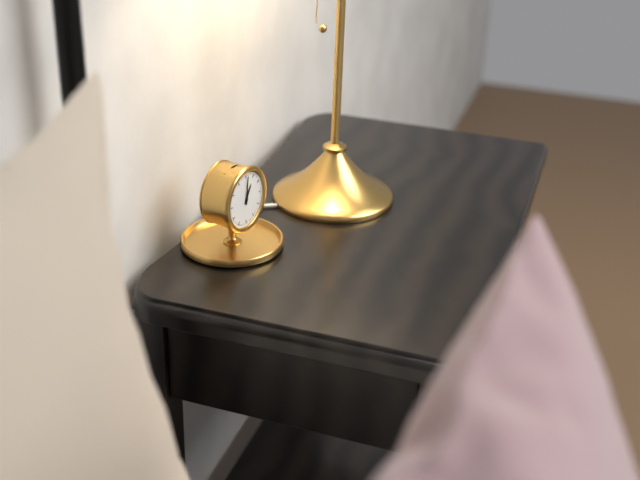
1:01
